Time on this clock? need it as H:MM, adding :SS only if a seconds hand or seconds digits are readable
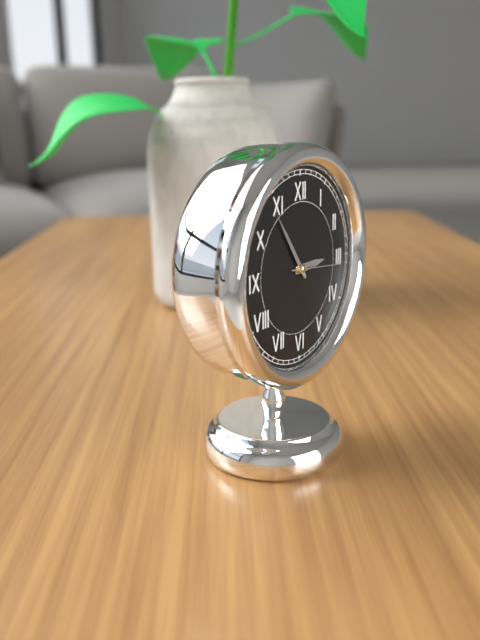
2:54
